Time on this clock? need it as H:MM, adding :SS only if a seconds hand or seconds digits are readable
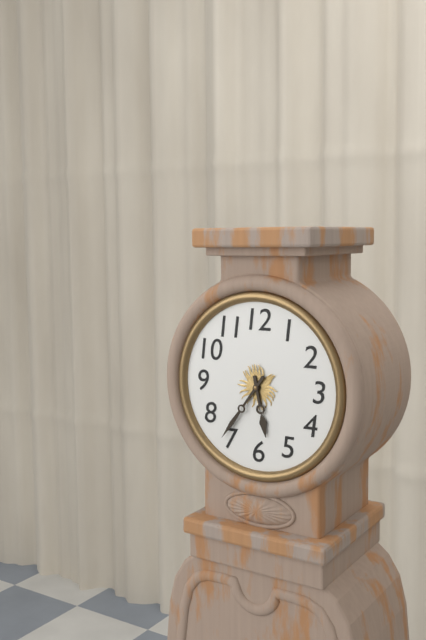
5:36
